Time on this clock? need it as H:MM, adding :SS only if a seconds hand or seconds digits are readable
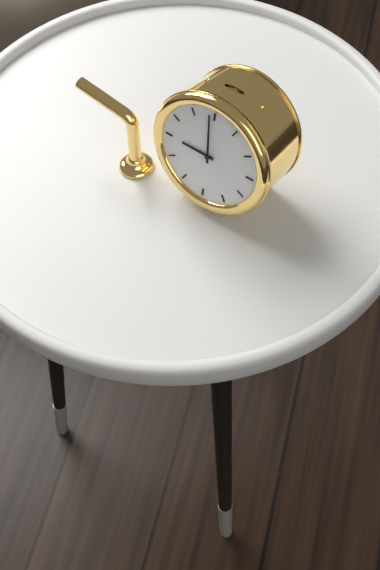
8:59
